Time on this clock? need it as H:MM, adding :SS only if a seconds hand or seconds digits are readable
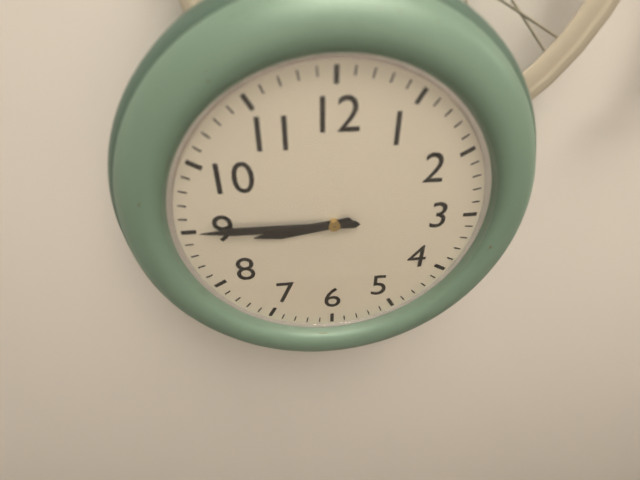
8:45
